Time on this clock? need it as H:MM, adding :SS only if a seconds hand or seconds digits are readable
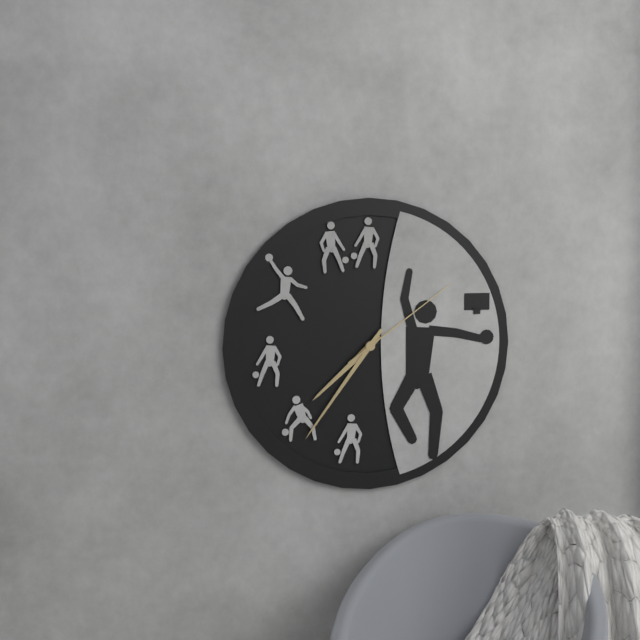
7:36:09
